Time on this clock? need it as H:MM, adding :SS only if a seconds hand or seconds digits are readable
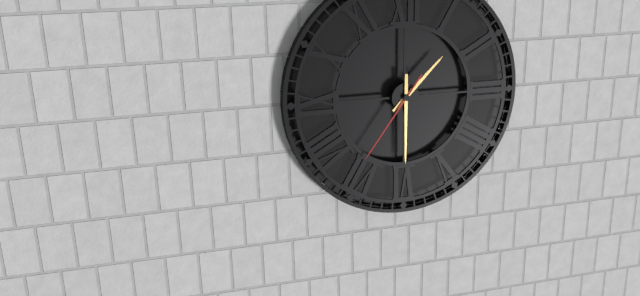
1:30:36
